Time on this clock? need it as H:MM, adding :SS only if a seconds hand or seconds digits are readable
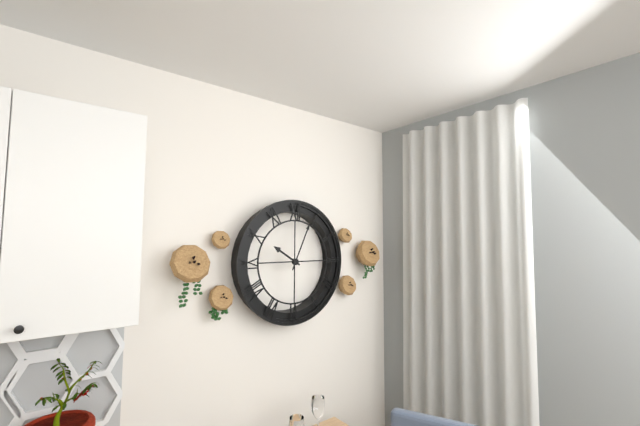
10:04
